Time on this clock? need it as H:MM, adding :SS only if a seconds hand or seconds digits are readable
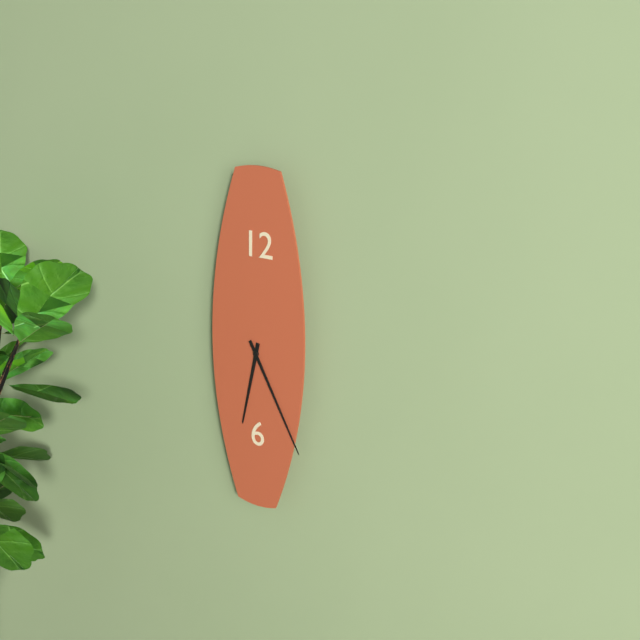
6:25
